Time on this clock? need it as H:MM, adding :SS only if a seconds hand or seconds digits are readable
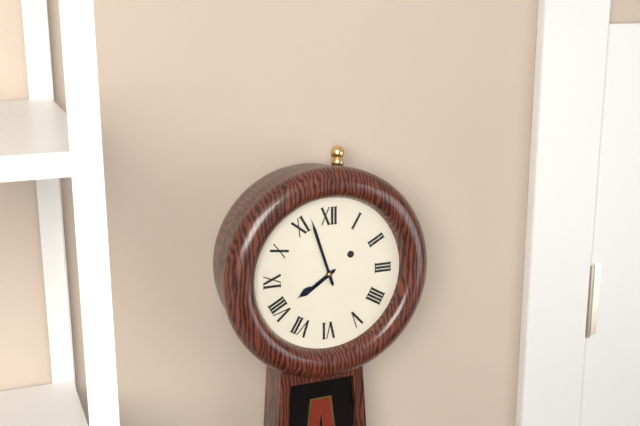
7:57
